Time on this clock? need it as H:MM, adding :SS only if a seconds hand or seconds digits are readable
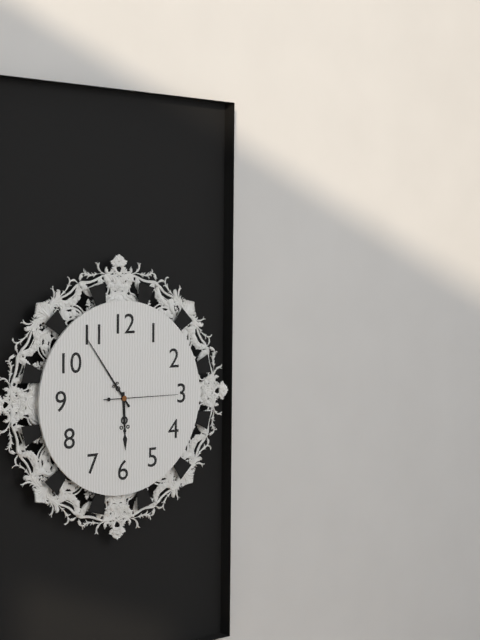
5:54:15
